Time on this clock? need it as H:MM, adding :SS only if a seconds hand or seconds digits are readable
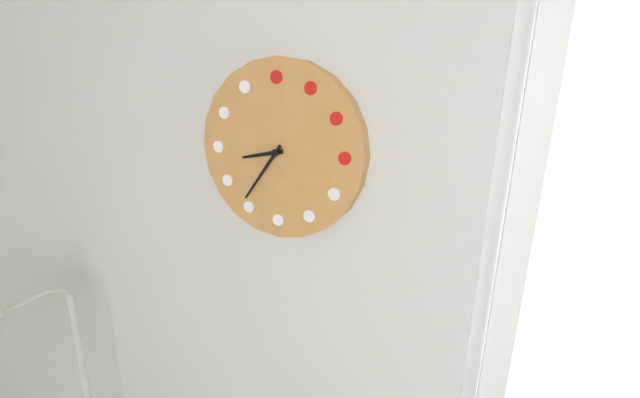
8:36
